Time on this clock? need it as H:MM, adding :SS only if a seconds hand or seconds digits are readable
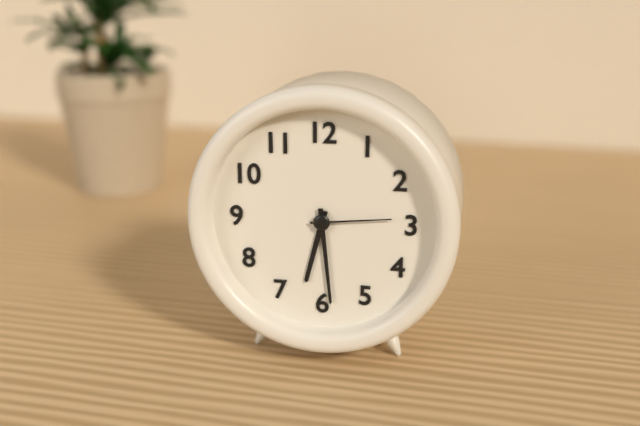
6:29:14
